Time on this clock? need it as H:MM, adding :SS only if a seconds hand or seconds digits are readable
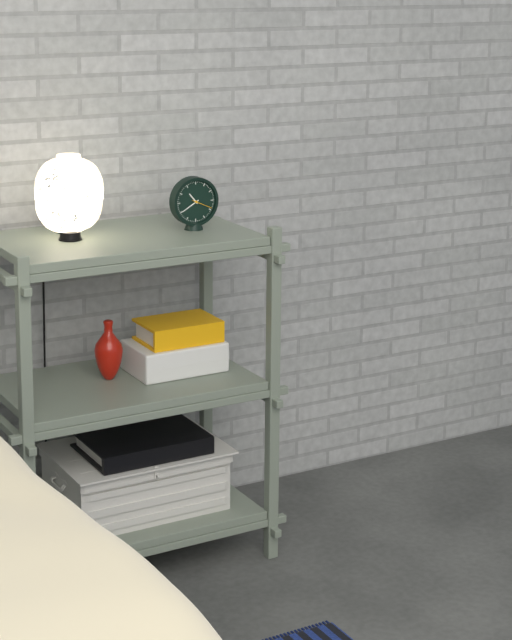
10:40
